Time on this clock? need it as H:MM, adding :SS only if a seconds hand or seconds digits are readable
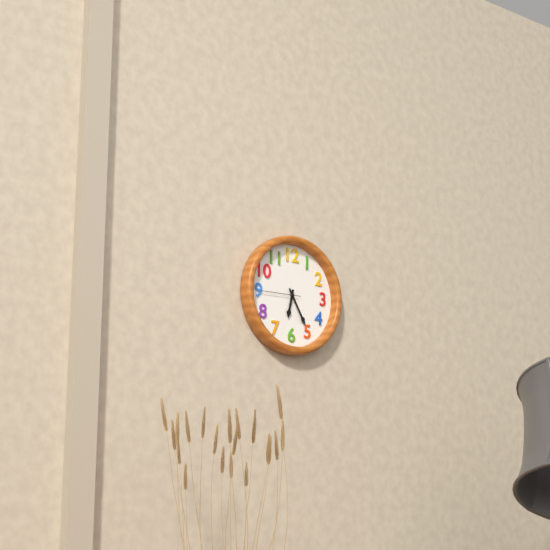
6:25
